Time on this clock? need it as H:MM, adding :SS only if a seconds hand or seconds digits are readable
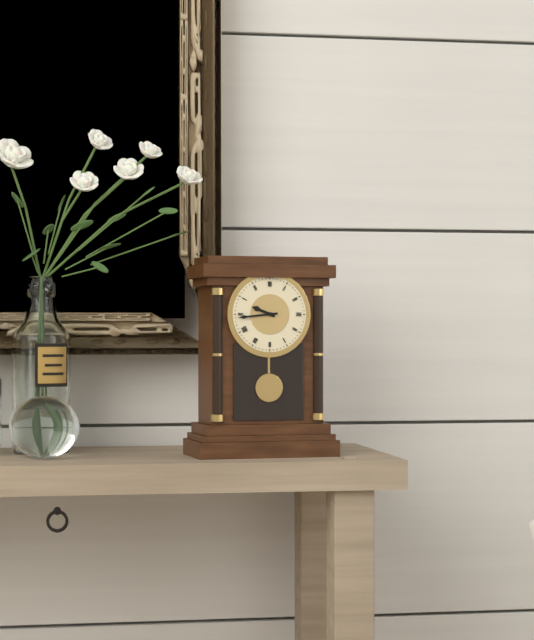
9:44
